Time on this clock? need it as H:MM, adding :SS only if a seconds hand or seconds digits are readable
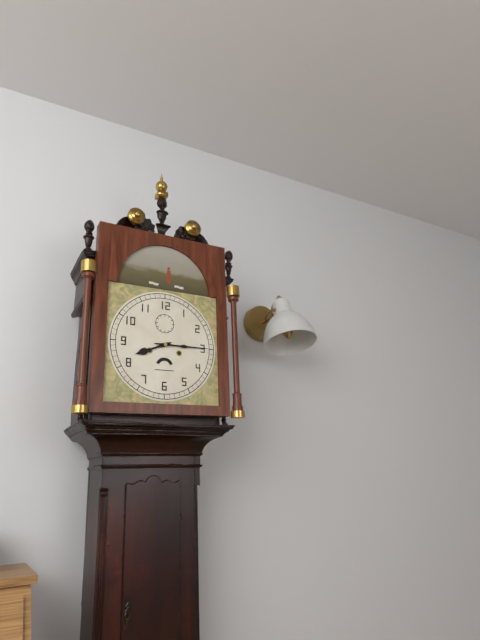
8:15
